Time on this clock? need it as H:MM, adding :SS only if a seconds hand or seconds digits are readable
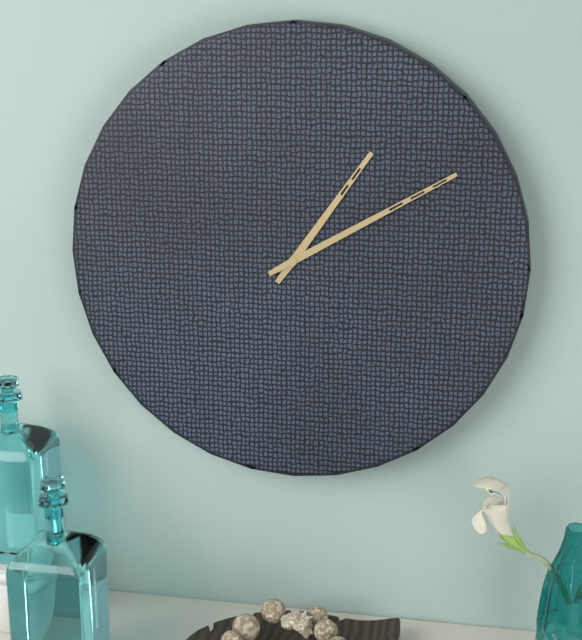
1:10
